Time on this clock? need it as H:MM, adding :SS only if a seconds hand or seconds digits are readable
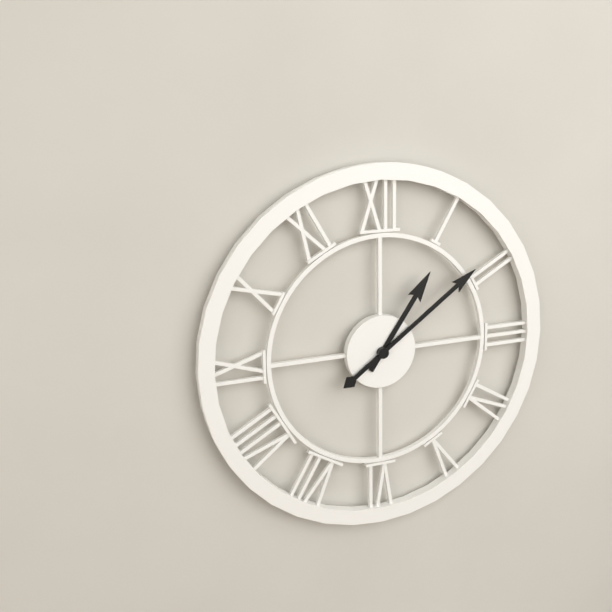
1:09
